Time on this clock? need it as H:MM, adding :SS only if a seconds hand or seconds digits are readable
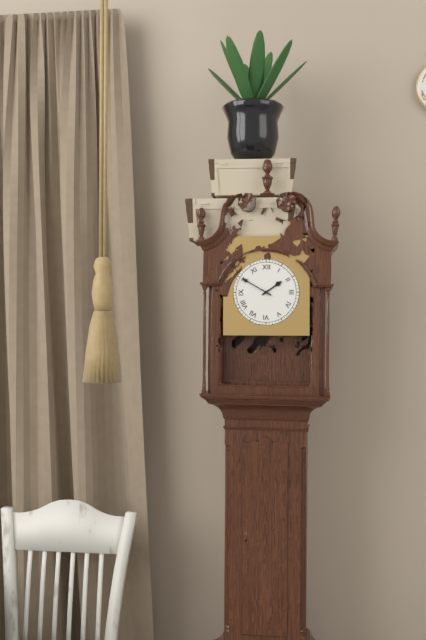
1:50
